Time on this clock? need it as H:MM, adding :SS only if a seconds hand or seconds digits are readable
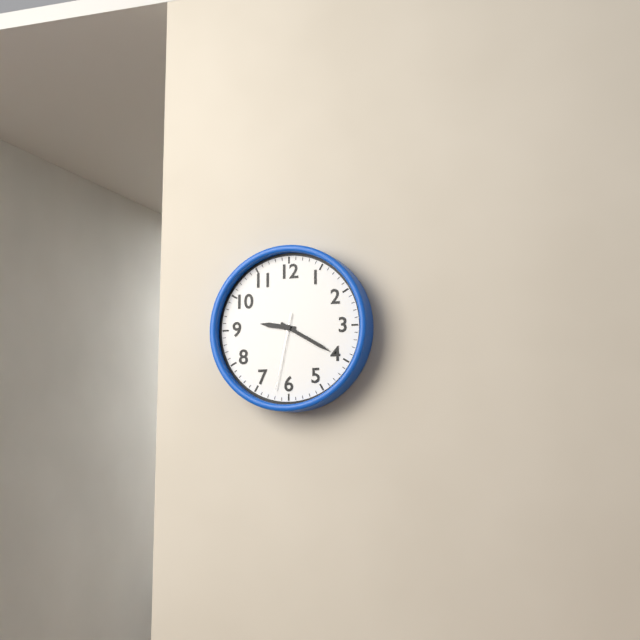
9:20:32
